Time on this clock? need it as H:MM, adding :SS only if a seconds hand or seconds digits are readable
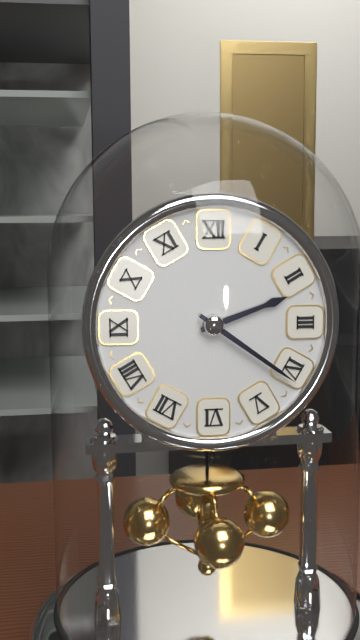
2:21
